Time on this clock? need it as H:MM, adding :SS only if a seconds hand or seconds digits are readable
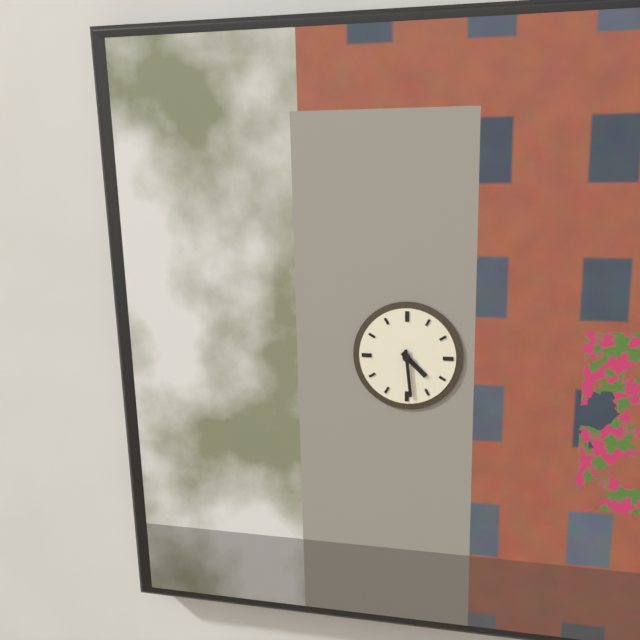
4:29
